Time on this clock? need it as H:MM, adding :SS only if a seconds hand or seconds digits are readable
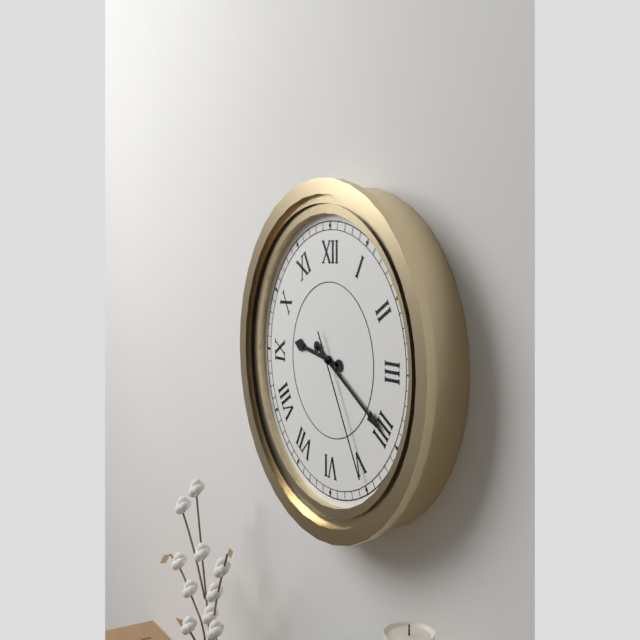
9:20:25
